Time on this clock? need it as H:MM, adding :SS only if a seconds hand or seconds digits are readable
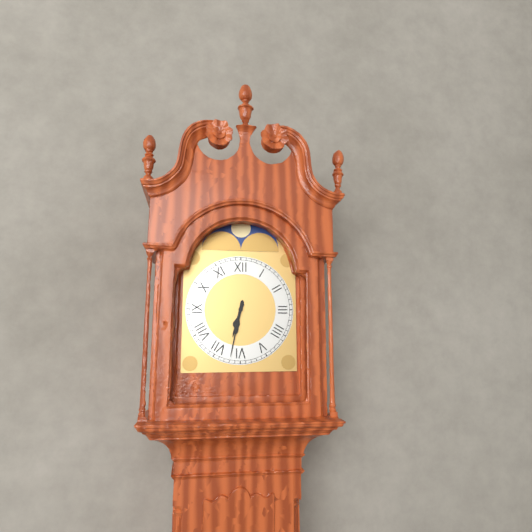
6:32
